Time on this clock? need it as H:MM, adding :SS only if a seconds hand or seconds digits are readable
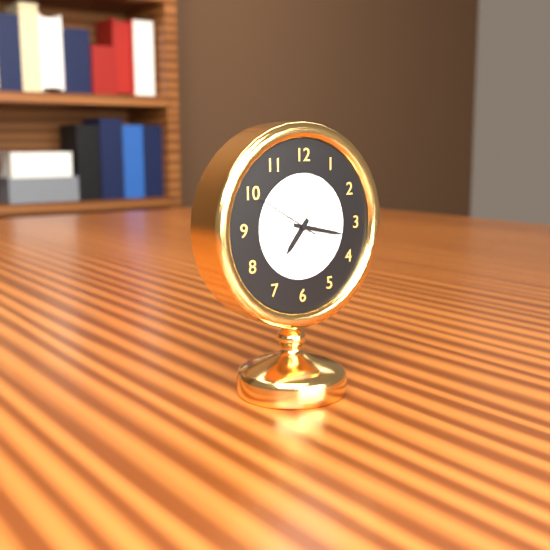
7:17:50
